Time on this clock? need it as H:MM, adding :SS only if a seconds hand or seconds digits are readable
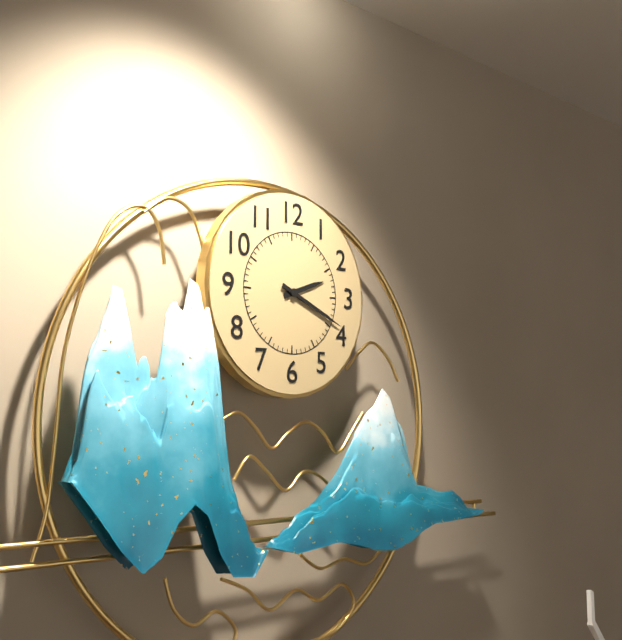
2:19
